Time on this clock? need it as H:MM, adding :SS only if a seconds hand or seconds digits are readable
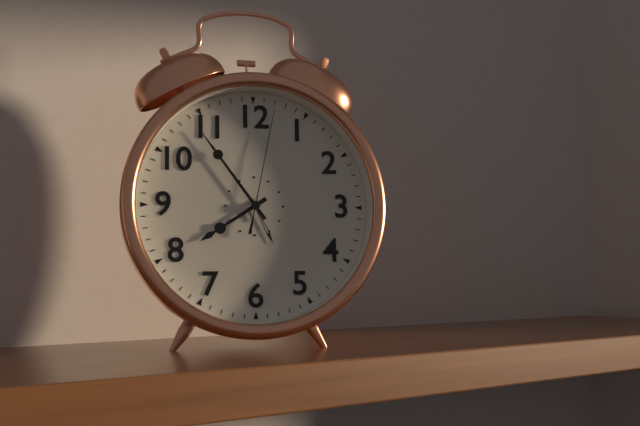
7:54:02
